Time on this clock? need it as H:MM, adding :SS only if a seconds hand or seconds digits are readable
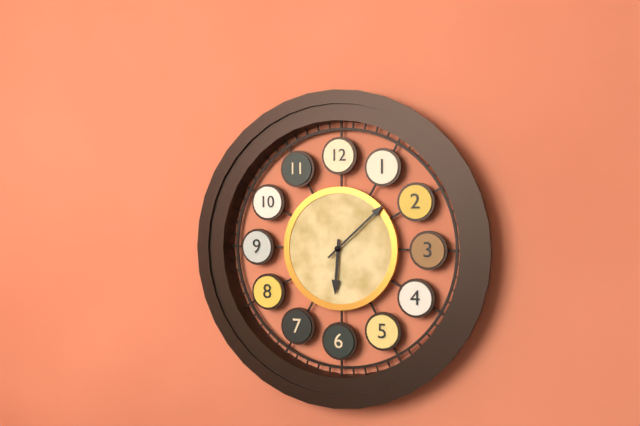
6:08
